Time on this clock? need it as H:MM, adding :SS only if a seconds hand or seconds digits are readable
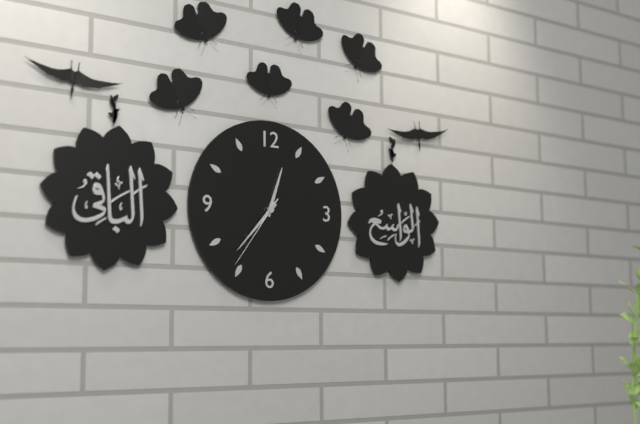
12:37:36
